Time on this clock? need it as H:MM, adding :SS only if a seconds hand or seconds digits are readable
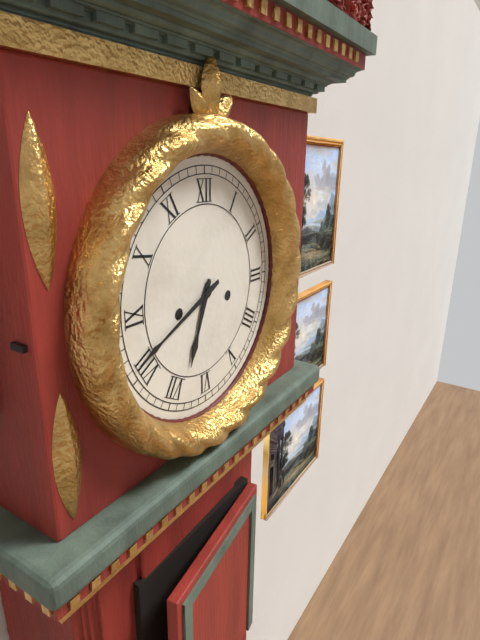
6:41
